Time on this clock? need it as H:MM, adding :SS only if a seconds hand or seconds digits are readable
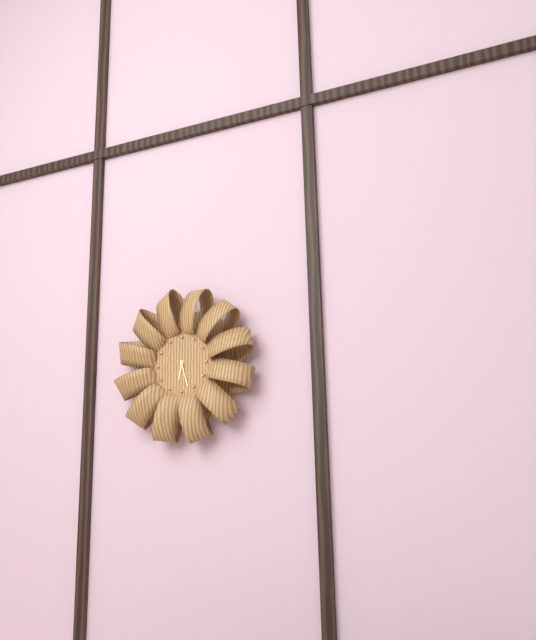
6:27
